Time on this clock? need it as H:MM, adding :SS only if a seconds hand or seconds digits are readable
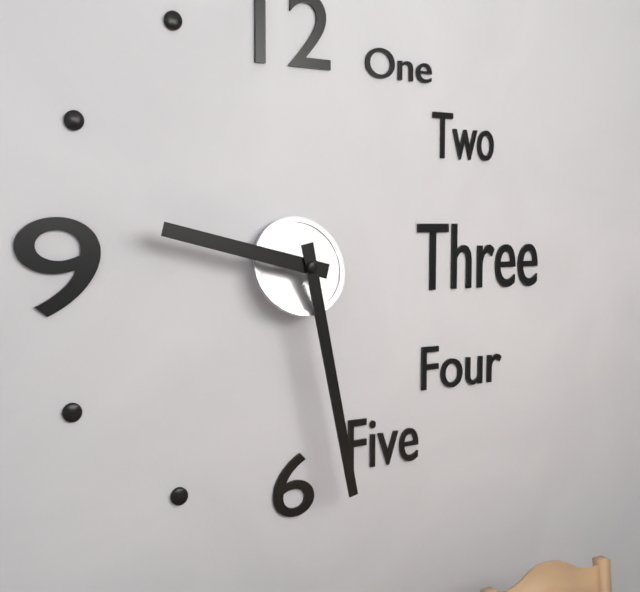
9:28
